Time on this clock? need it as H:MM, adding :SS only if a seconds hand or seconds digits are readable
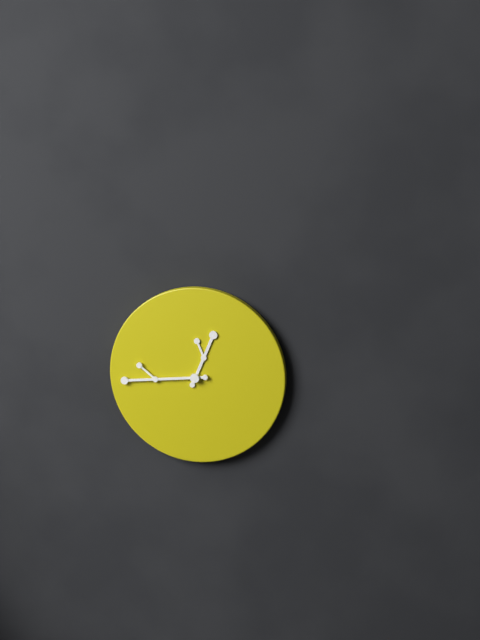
12:44
